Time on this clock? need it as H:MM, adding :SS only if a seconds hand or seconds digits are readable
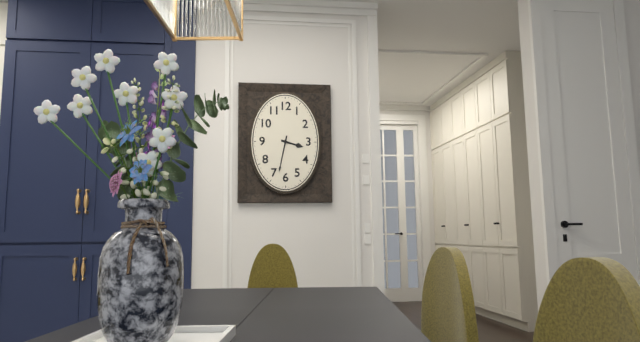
3:32
